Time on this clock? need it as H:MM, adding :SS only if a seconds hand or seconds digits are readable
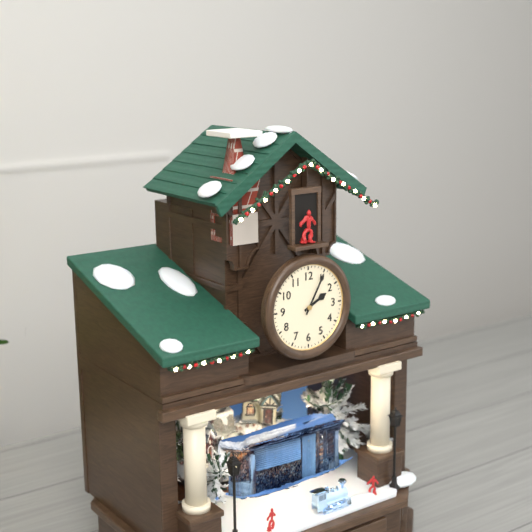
2:05
